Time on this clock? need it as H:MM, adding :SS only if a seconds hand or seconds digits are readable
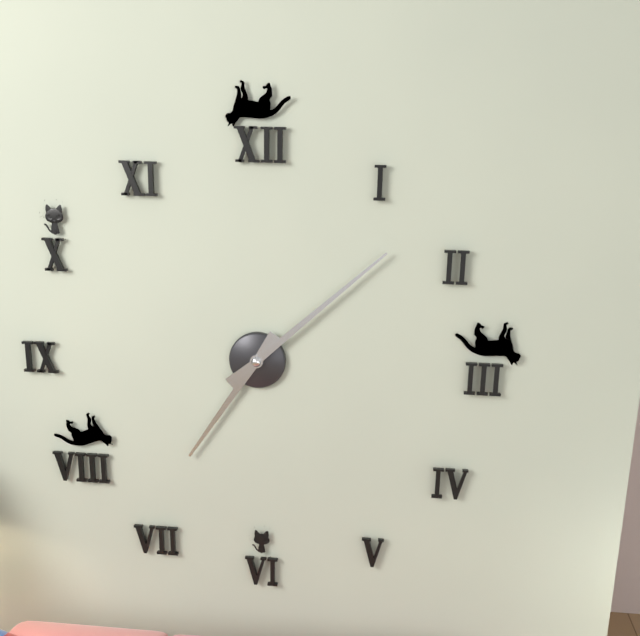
7:08
